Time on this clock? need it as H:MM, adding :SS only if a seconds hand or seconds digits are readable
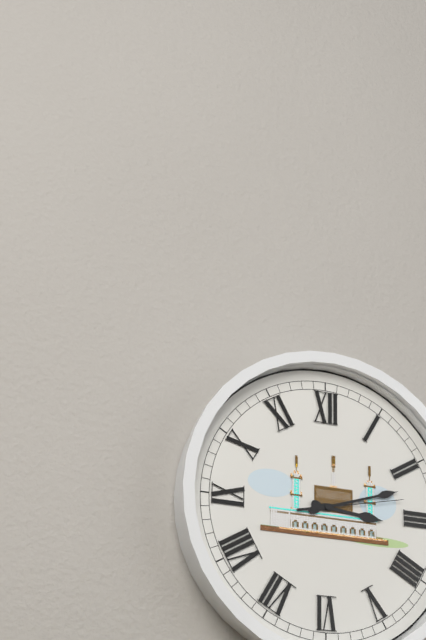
3:12:13
